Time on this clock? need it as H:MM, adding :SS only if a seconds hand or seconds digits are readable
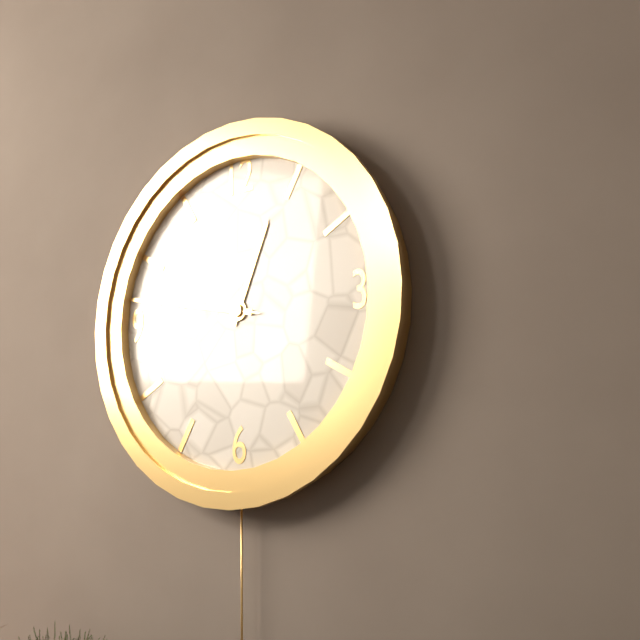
12:47:47
